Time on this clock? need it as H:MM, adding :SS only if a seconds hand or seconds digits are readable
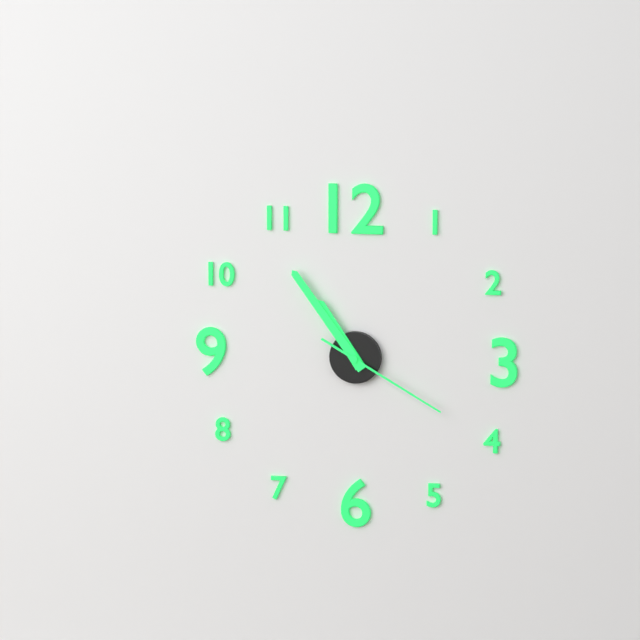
10:54:20
